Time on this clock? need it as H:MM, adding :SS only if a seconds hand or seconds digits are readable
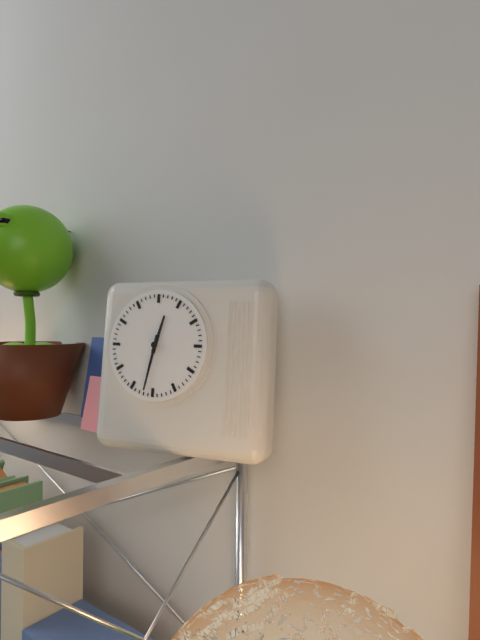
12:32
